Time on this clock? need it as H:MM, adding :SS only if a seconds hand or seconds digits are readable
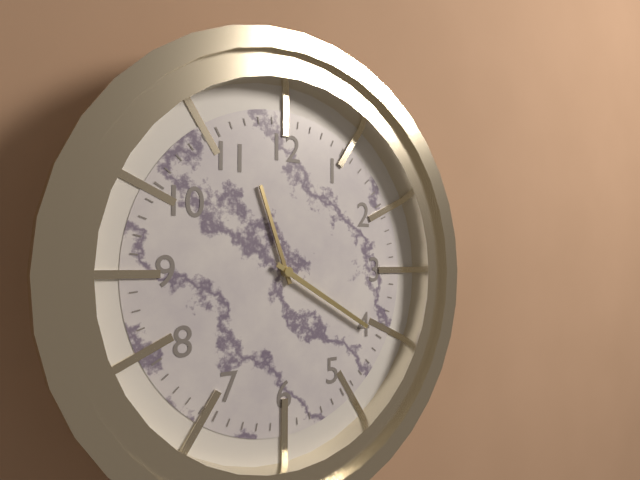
11:20
